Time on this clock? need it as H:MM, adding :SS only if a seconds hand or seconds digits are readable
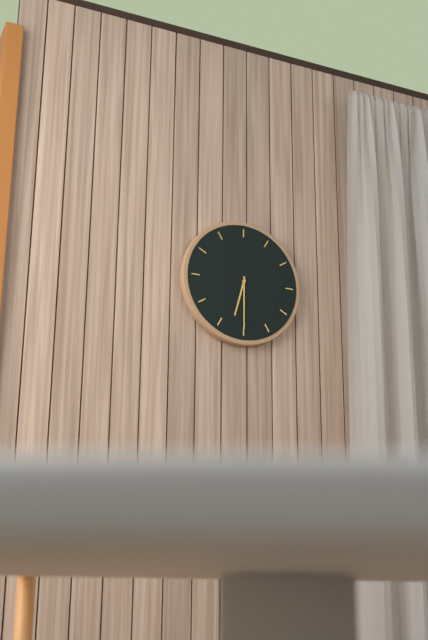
6:30
